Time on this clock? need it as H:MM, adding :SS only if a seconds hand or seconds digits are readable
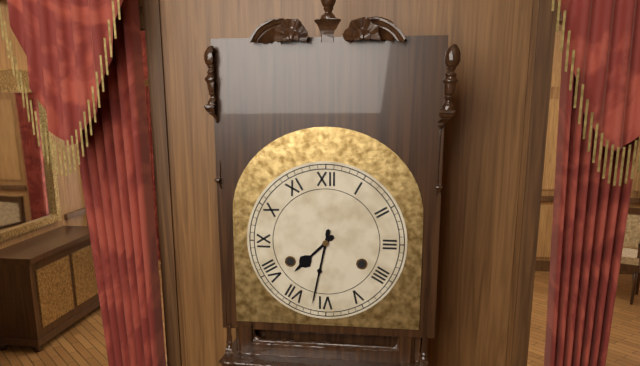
7:32
